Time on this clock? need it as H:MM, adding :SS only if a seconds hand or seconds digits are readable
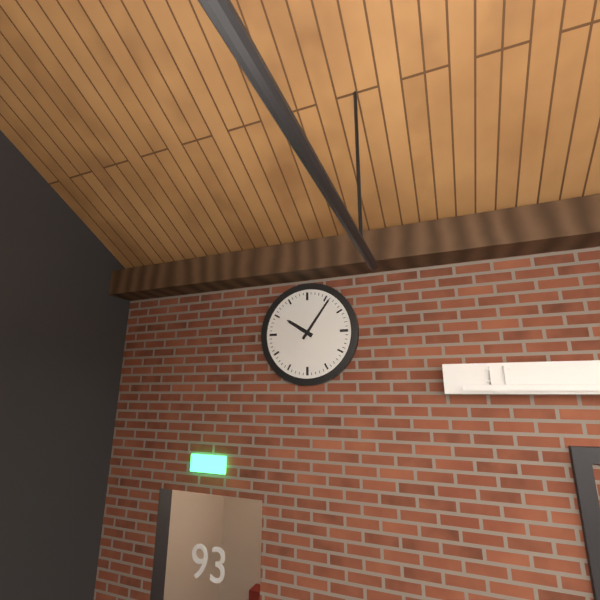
10:06
